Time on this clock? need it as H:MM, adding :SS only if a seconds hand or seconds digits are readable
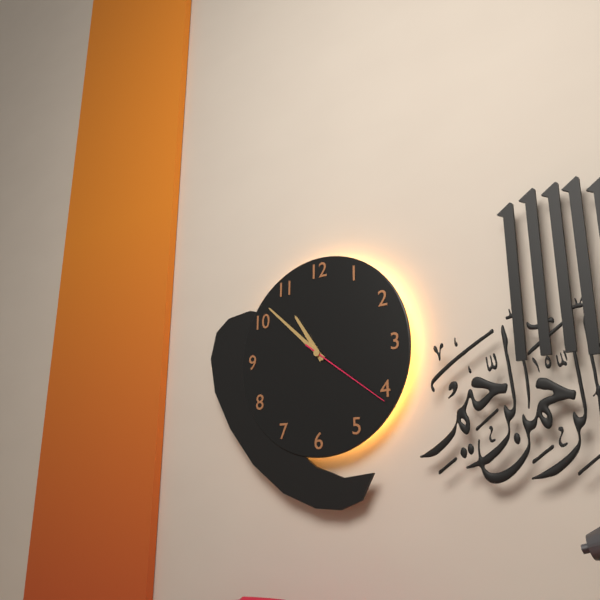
10:52:21
